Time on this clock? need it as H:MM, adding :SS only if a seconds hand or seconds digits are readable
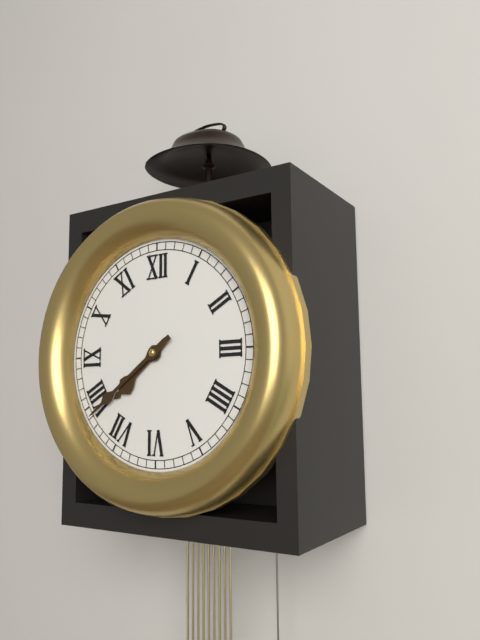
7:39
